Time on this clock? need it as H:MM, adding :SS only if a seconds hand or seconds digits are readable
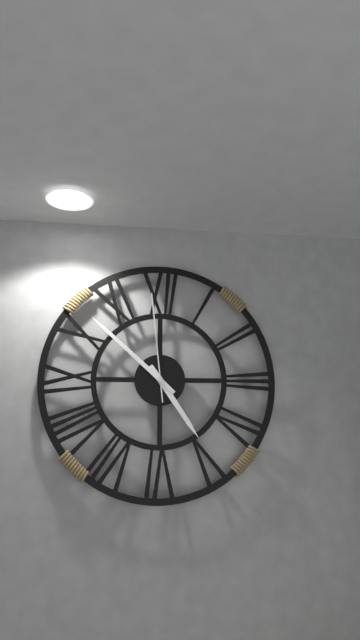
4:52:59
